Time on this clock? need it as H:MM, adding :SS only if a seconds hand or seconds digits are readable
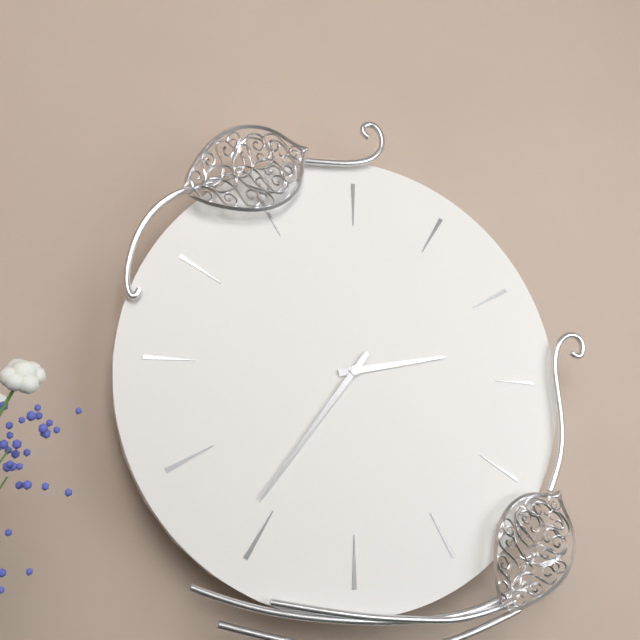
2:36
